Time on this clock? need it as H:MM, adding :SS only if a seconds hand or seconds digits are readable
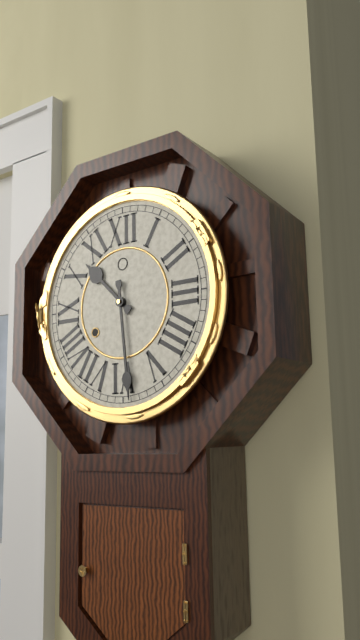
10:29
